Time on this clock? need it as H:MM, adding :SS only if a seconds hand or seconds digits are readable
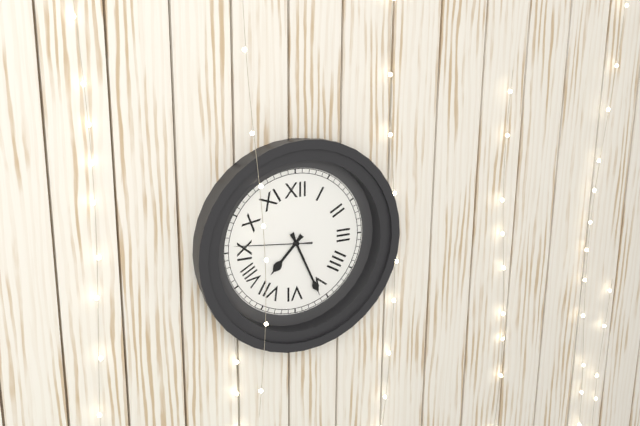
7:26:46
